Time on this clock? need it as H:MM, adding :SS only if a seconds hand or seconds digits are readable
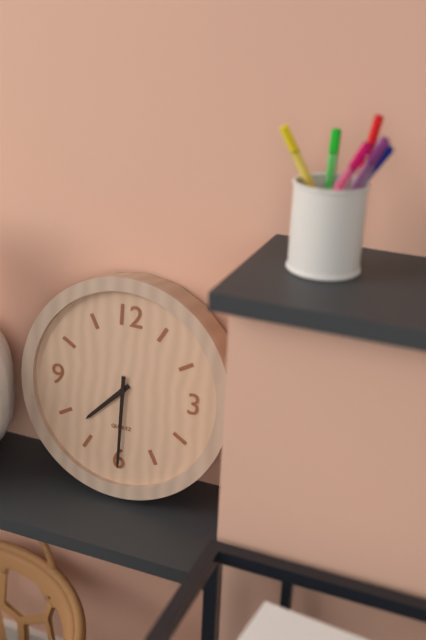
7:30
